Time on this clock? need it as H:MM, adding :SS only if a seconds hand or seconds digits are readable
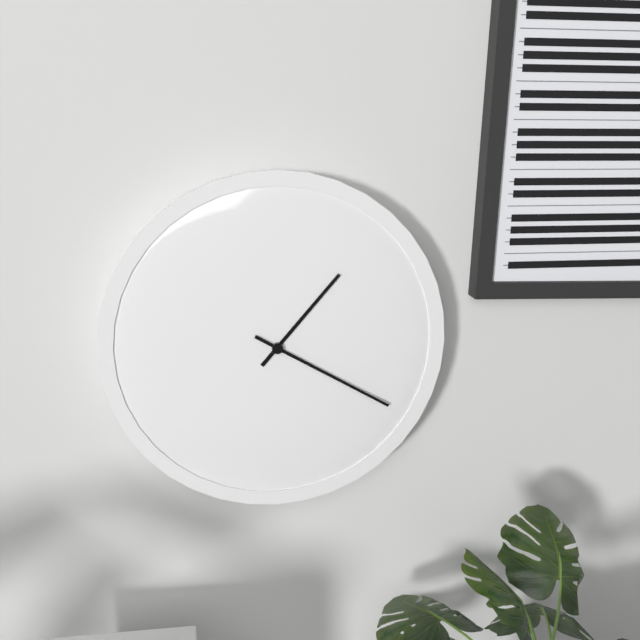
1:20
